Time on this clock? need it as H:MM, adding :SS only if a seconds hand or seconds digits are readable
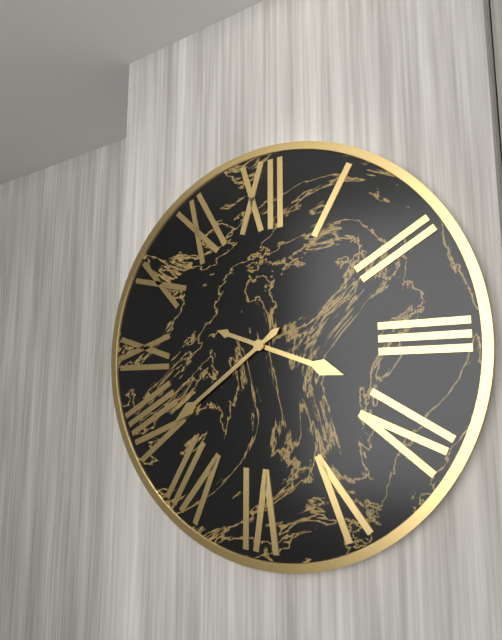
3:39
